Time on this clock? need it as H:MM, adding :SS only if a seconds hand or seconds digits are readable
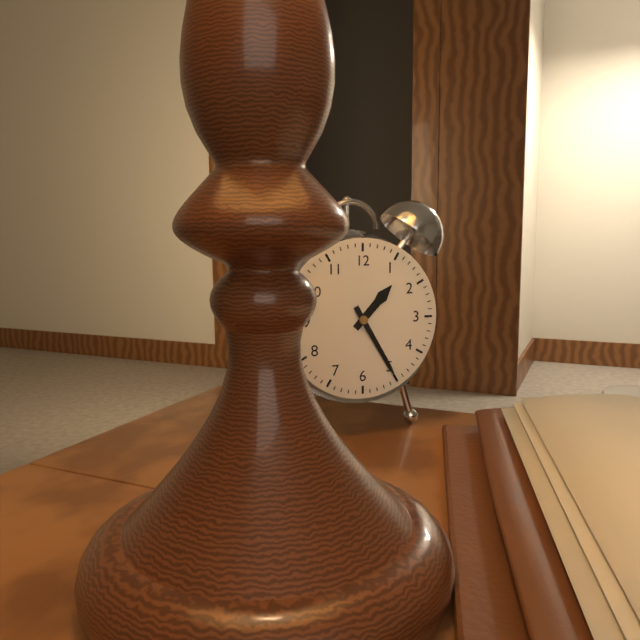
1:25
